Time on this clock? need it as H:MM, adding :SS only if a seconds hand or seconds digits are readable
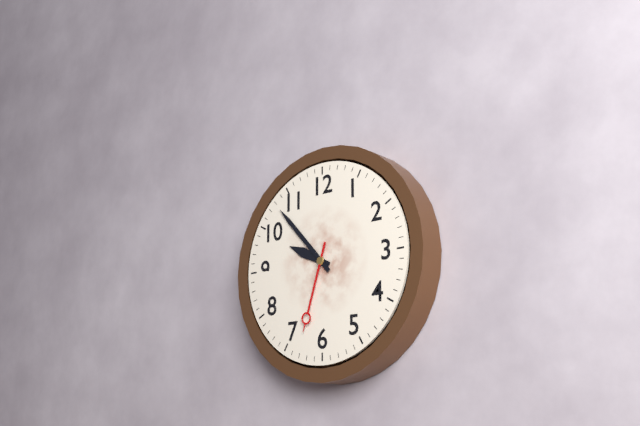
9:53:33
